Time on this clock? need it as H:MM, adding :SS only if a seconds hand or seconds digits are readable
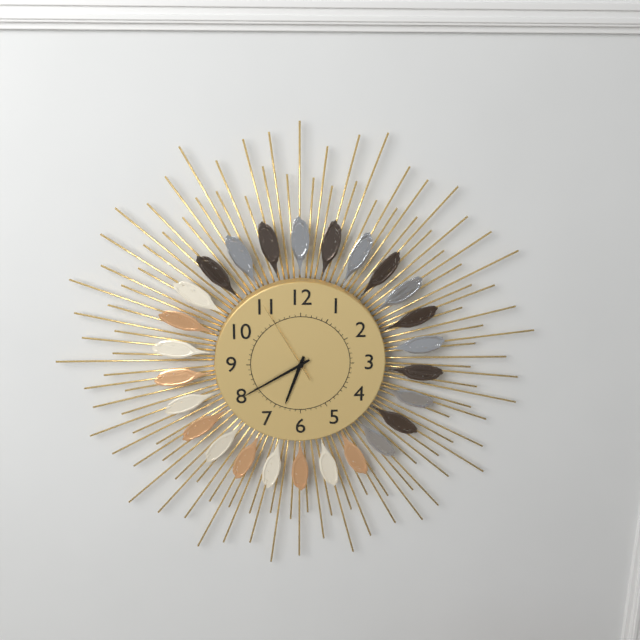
6:40:55
